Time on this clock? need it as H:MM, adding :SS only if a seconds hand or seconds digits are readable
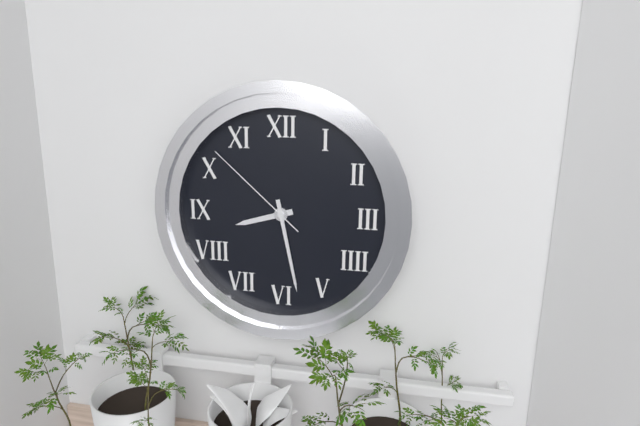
8:28:52
